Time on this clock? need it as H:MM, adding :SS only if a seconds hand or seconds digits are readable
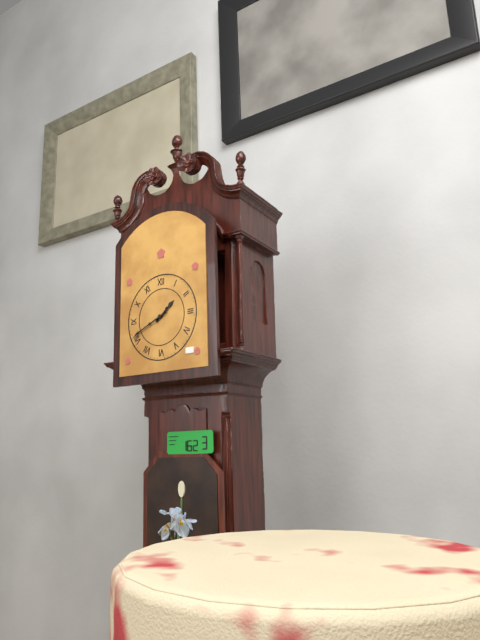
1:41
